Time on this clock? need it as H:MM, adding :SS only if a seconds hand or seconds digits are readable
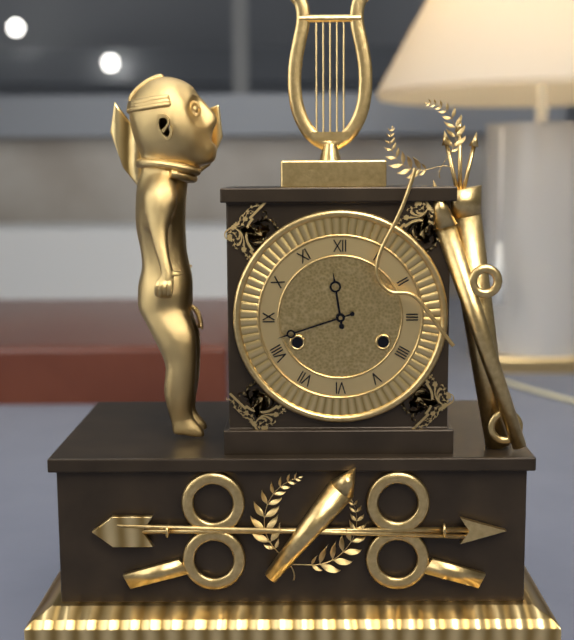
11:42
